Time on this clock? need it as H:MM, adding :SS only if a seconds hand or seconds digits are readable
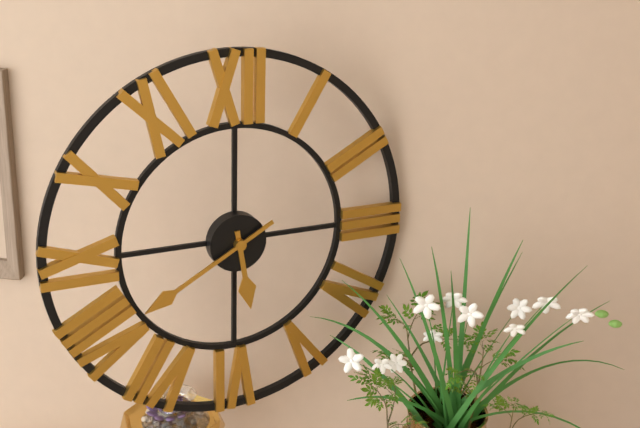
5:40
